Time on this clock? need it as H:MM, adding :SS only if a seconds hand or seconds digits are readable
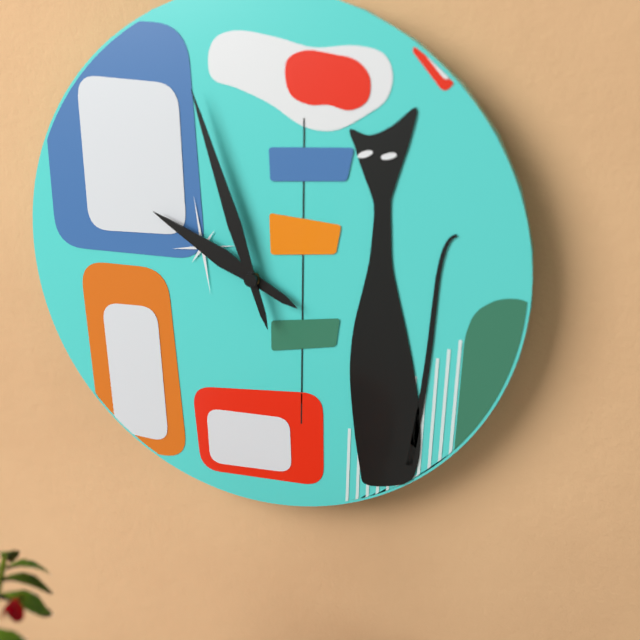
9:57
